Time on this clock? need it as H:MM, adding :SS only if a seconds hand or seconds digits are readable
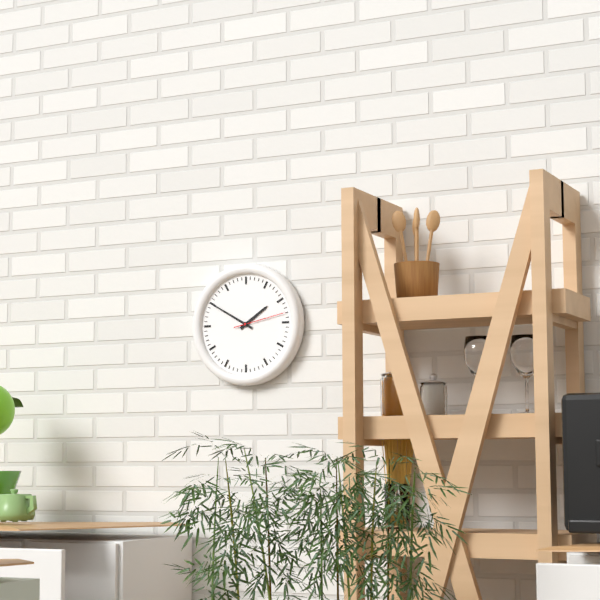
1:50:13
